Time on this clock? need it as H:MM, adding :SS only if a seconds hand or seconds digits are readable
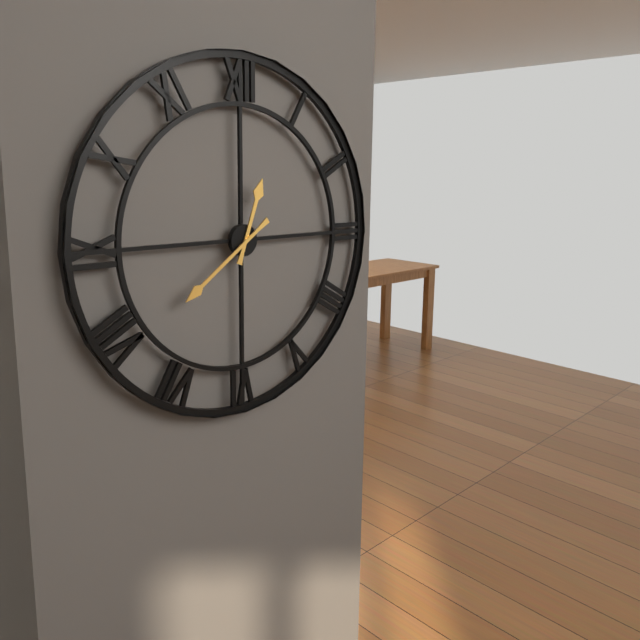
12:39
